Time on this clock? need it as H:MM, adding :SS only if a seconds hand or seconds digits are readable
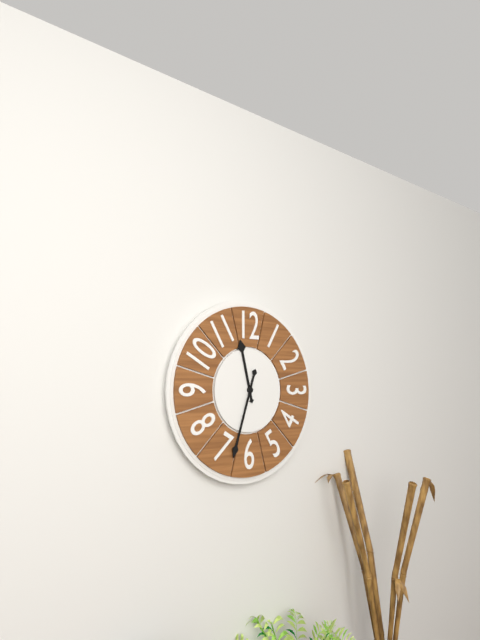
11:33
